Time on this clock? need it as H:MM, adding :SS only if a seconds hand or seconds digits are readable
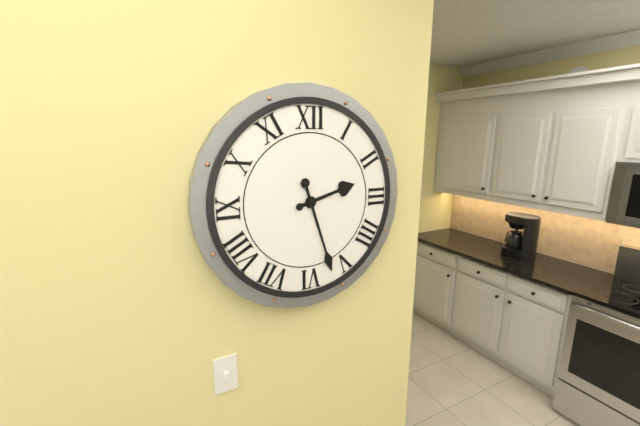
2:27
